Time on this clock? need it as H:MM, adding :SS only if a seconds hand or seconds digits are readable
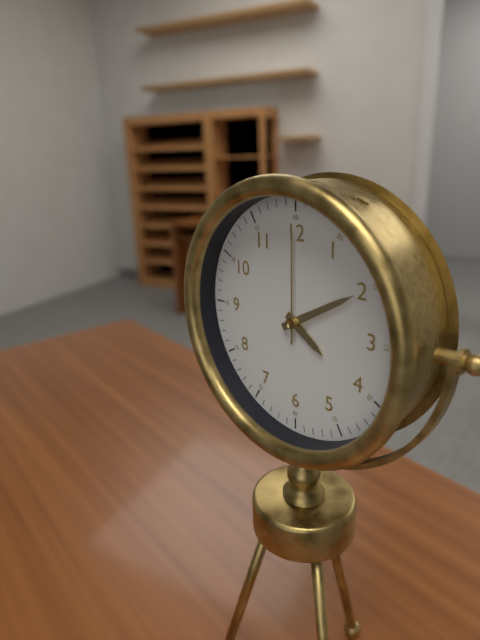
4:10:00
